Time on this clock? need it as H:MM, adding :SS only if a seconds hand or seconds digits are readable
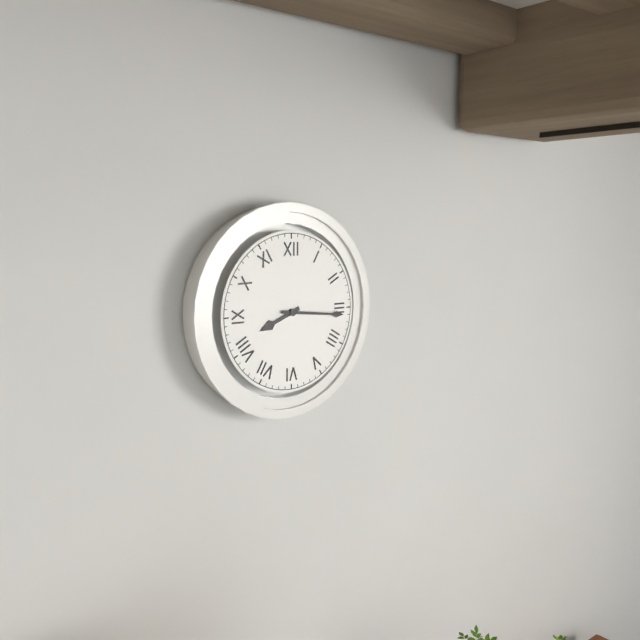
8:16
